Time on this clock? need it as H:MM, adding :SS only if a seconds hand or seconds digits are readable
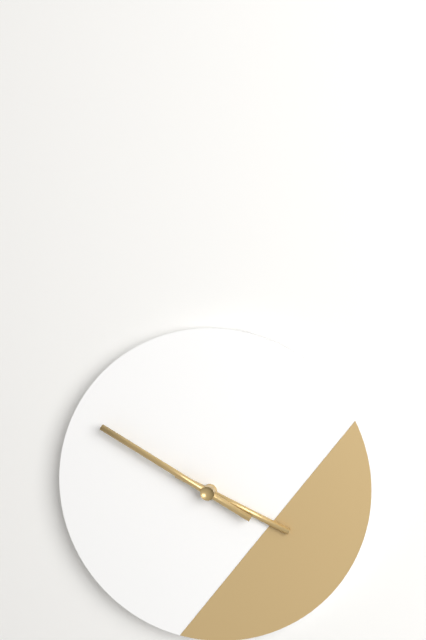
3:50
